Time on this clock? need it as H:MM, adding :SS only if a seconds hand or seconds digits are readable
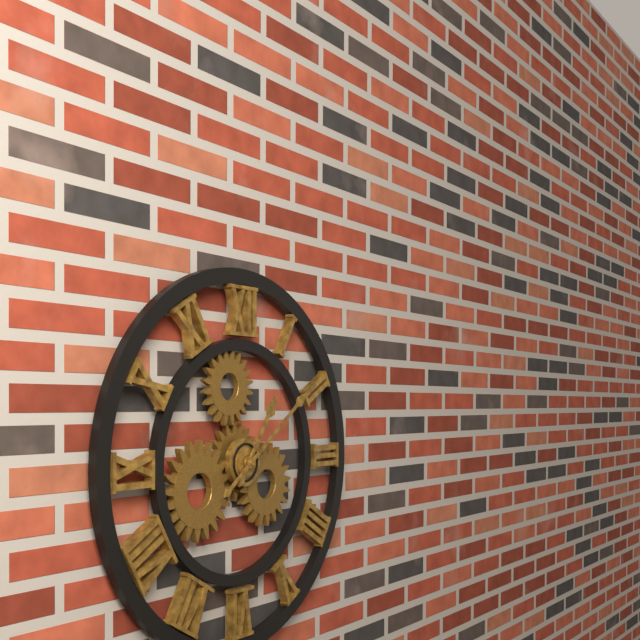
1:09
